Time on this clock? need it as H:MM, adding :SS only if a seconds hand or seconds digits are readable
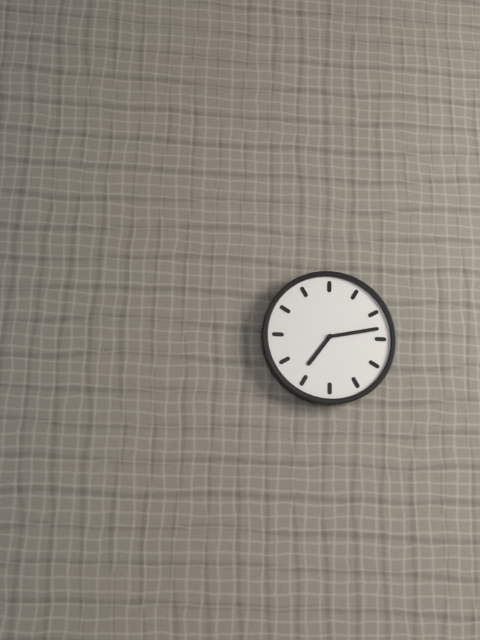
7:13
